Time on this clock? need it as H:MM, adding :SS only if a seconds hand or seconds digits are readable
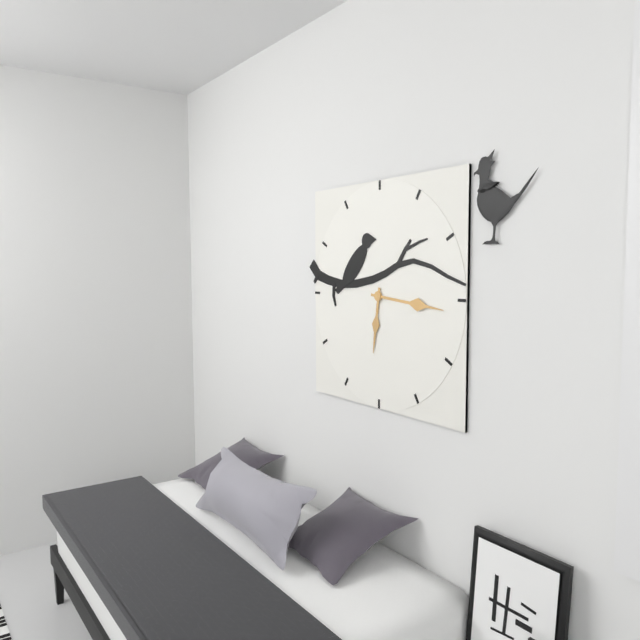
6:16
